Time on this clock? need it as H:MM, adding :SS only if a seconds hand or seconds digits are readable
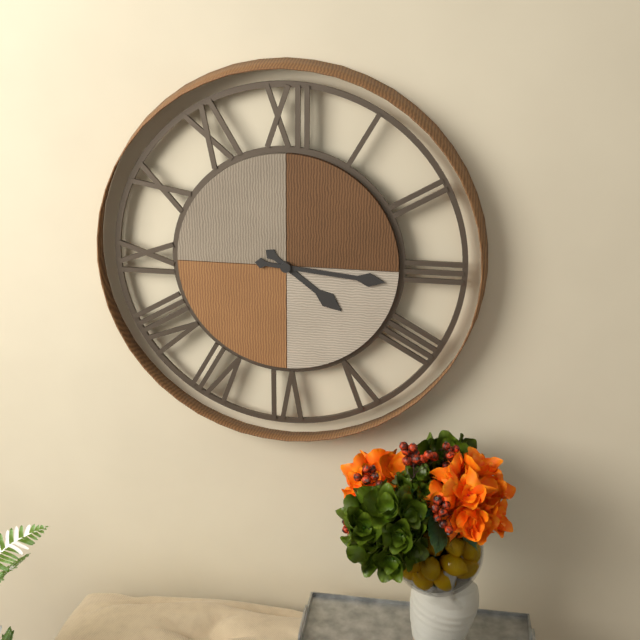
4:16
